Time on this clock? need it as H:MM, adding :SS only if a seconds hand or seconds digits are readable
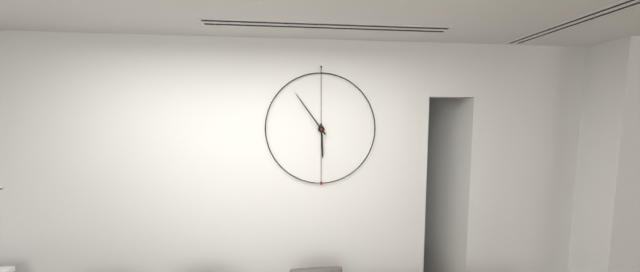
5:54
